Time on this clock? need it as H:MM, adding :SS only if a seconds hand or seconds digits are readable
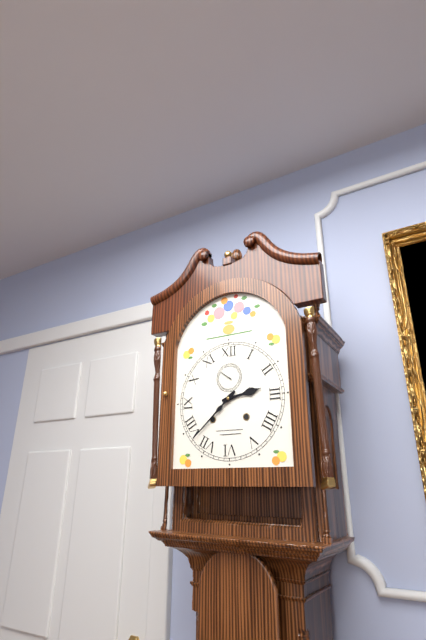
2:38
